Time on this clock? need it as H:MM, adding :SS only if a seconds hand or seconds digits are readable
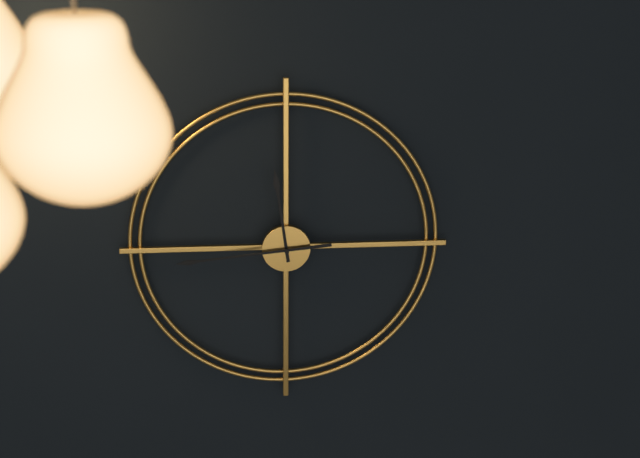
11:44
